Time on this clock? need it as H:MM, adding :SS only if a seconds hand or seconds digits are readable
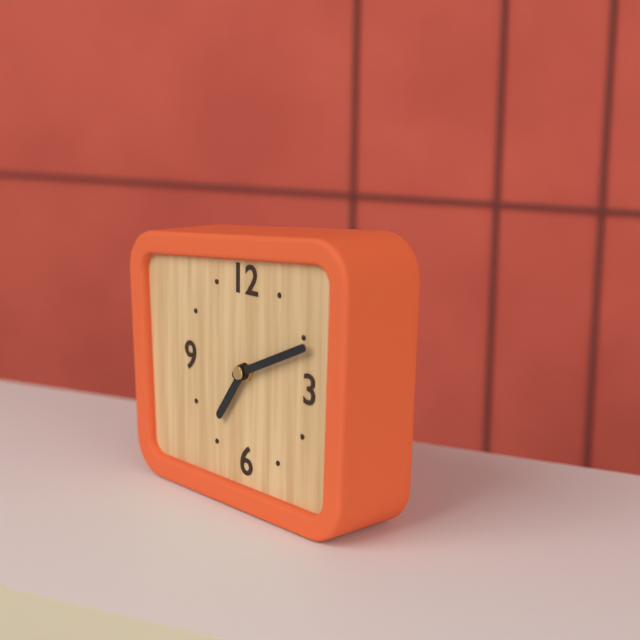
7:11
